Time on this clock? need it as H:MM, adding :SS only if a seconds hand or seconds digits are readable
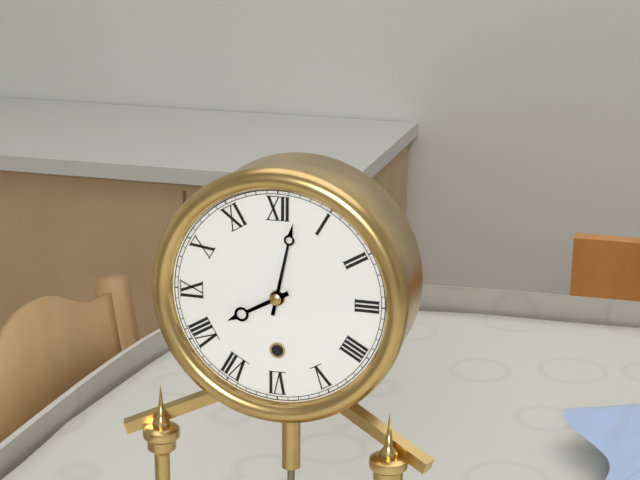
8:02
